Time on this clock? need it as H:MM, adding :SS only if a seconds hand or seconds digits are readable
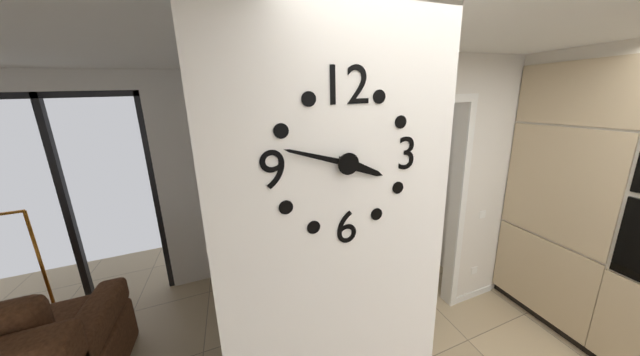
3:48
